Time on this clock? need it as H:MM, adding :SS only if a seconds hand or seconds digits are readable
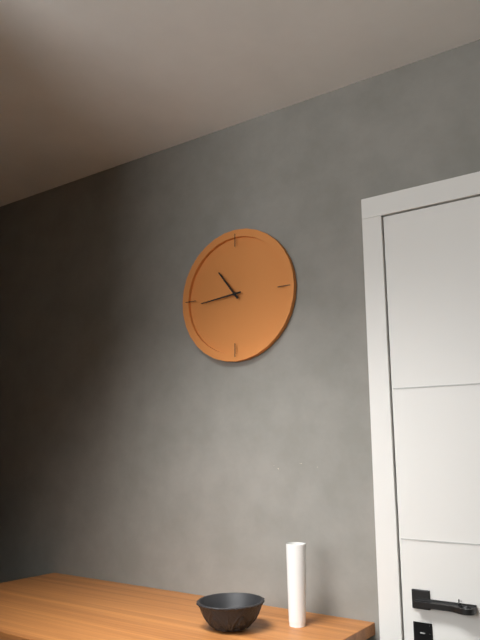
10:44
